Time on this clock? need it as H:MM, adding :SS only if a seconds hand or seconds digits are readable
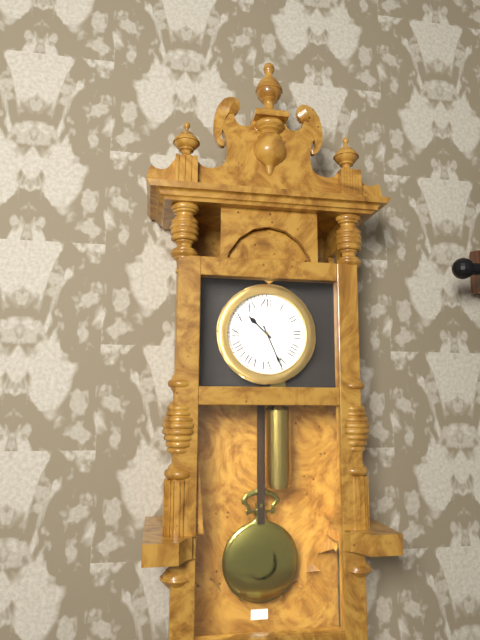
10:26
